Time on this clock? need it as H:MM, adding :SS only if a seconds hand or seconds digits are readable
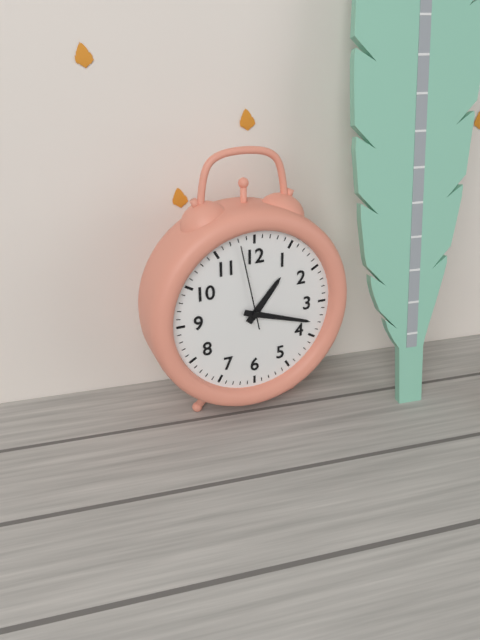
1:18:58
